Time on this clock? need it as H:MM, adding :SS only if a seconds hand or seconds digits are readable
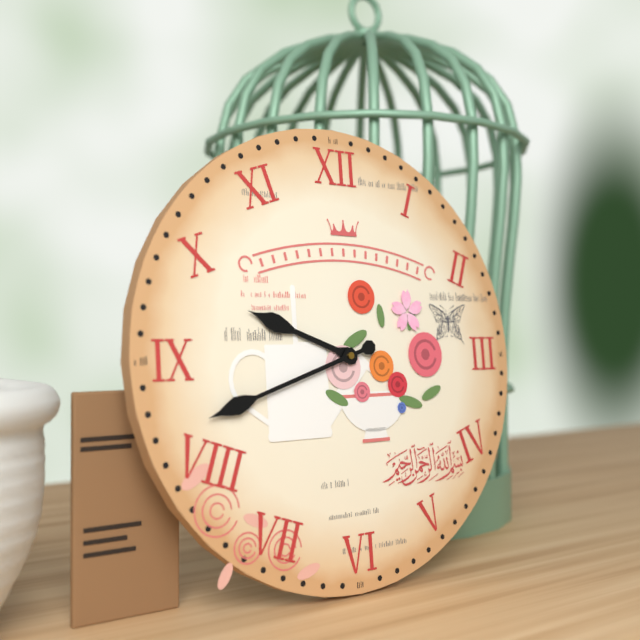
9:42
